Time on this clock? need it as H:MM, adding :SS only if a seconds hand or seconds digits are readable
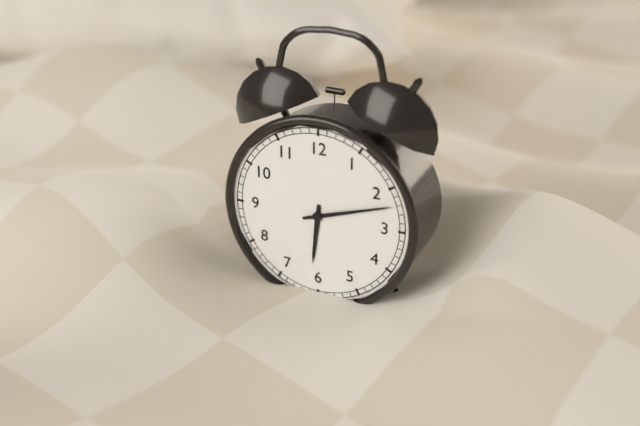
6:12
